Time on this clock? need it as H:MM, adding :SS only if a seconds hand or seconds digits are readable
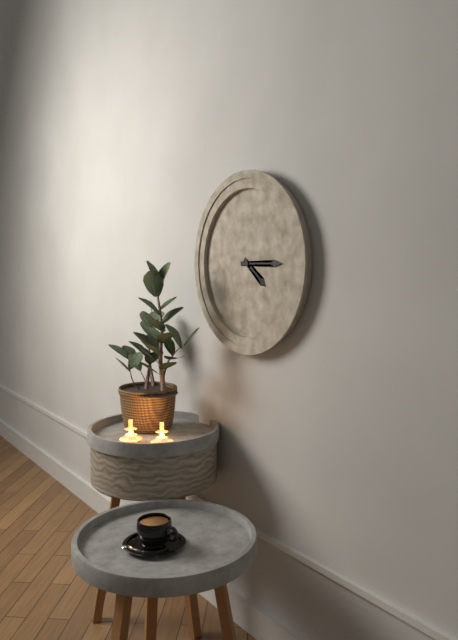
4:15
